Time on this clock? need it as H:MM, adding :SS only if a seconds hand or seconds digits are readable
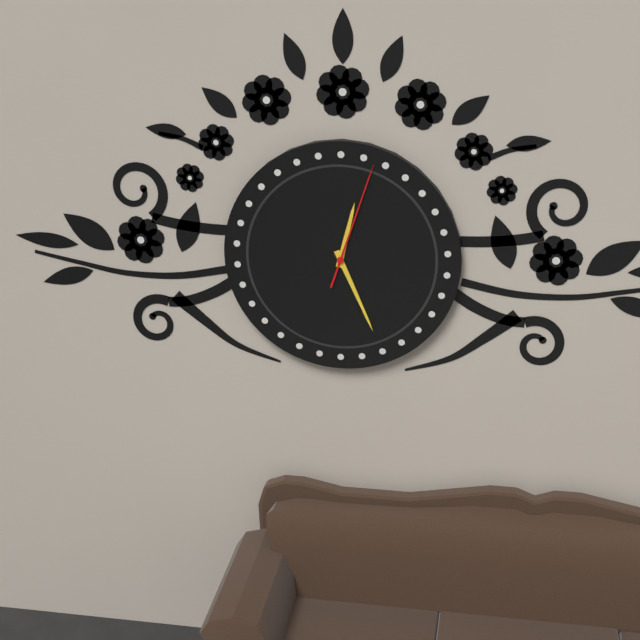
12:26:03
